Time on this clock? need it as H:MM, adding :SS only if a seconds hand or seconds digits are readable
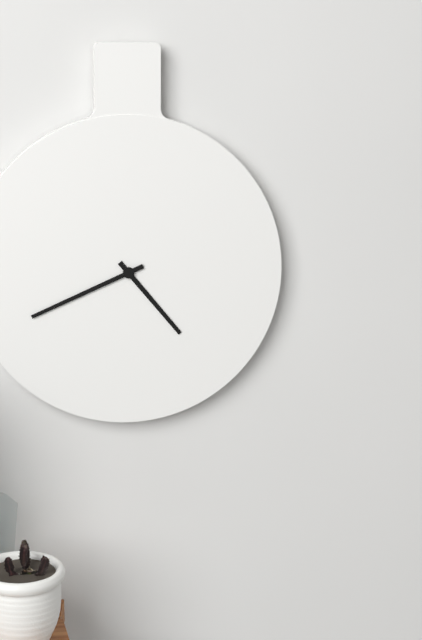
4:41
